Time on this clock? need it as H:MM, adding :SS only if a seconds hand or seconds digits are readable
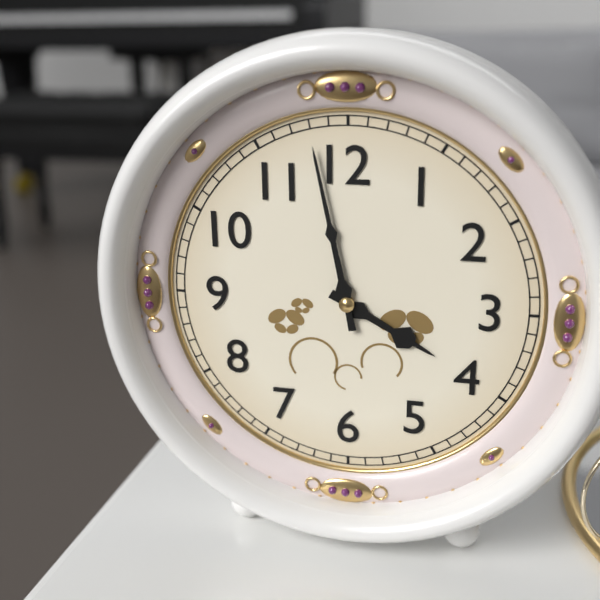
3:58
